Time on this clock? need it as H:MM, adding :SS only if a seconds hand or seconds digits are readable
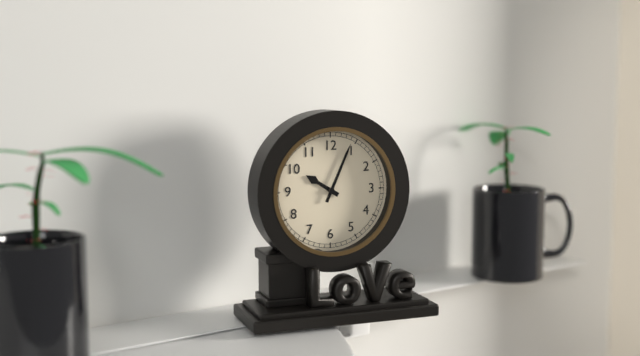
10:04
